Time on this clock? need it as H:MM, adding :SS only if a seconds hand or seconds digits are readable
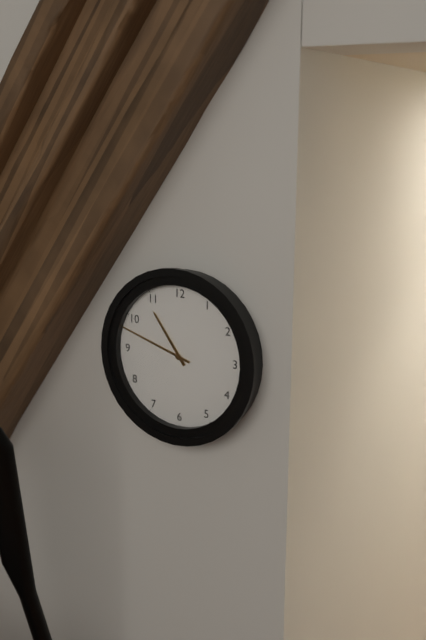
10:48
